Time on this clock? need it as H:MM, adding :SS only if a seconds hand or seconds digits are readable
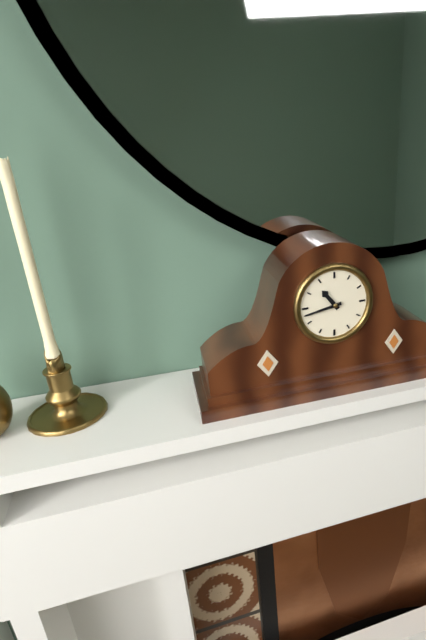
10:43
